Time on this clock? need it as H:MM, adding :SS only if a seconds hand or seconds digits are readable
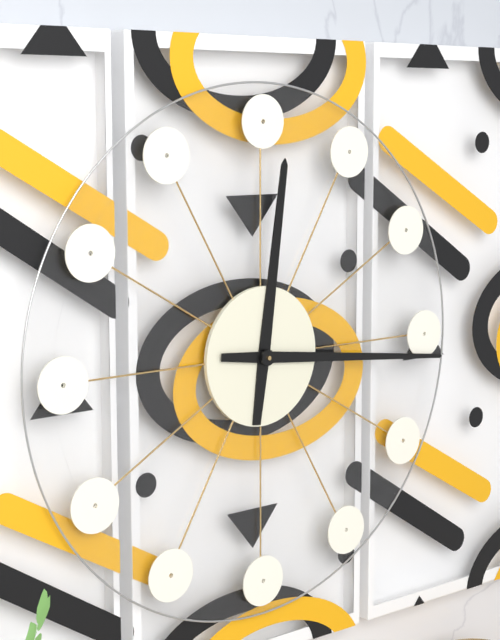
12:16
